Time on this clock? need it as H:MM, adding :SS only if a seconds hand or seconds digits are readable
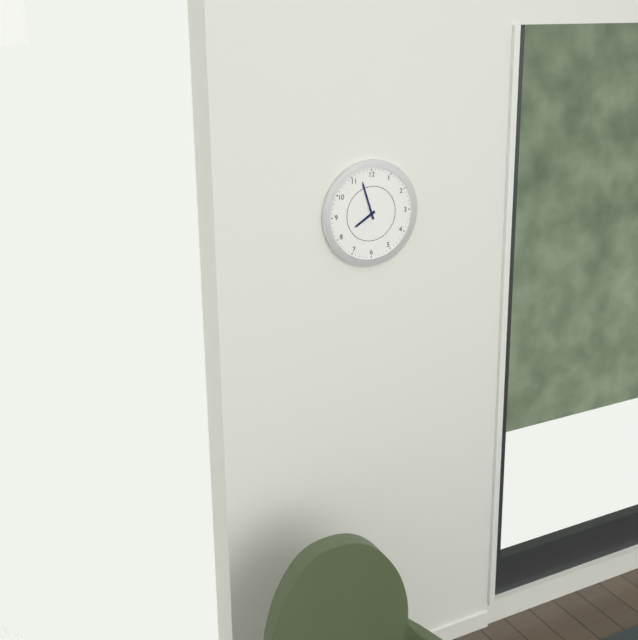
7:57
